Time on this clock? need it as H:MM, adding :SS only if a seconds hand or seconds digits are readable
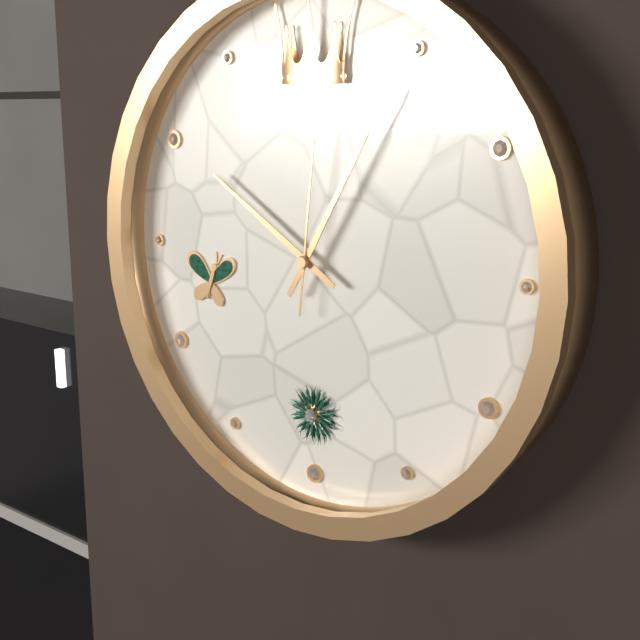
10:05:01
